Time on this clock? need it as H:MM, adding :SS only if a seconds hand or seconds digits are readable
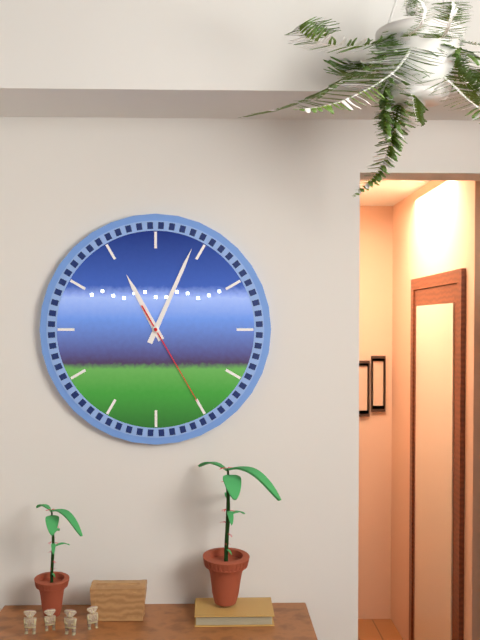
11:04:25
